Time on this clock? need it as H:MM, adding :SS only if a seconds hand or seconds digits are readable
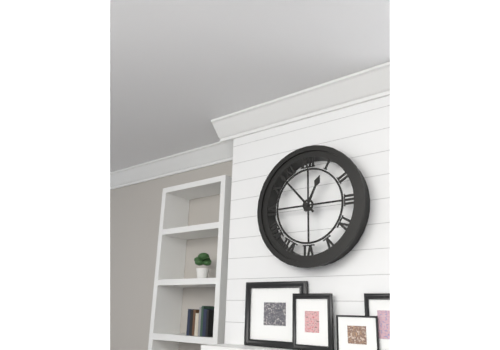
12:53
